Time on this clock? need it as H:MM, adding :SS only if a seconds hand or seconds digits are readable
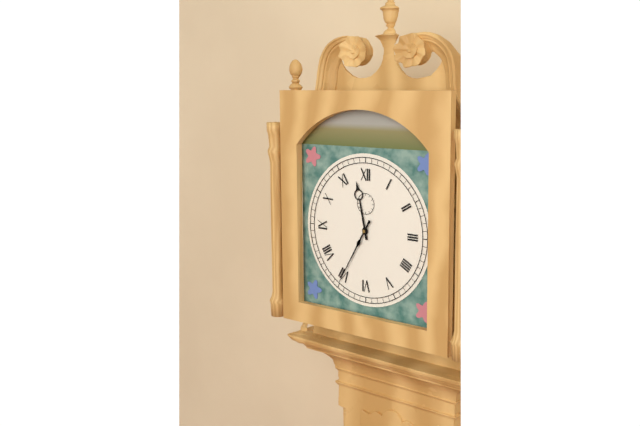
11:35
